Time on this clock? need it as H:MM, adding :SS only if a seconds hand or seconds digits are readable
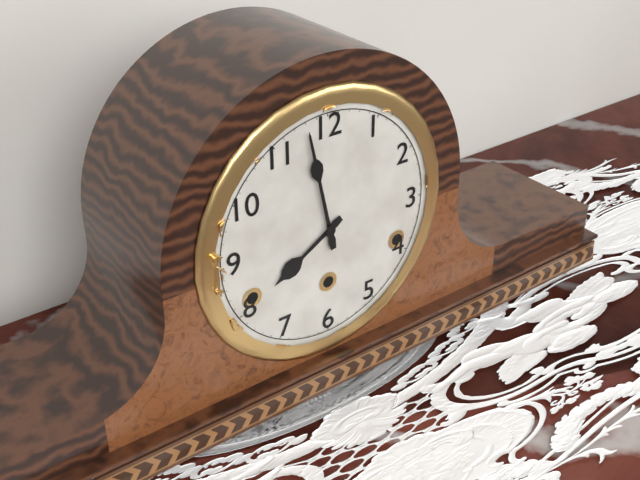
7:58
